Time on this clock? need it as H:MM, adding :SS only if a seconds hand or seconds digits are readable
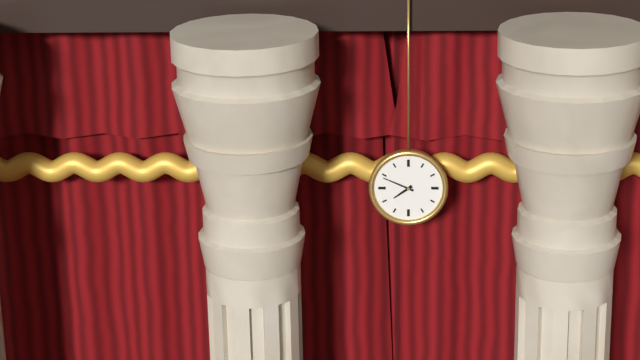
7:49
